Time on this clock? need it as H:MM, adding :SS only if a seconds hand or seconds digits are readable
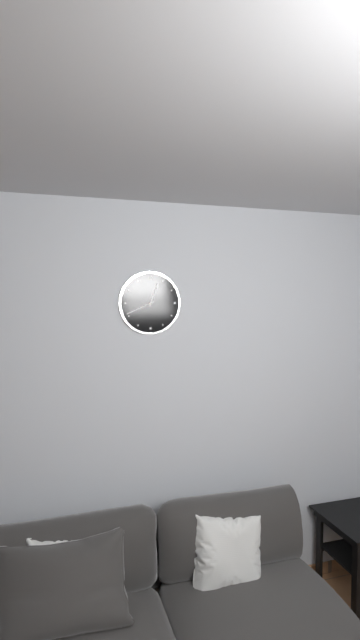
12:41
